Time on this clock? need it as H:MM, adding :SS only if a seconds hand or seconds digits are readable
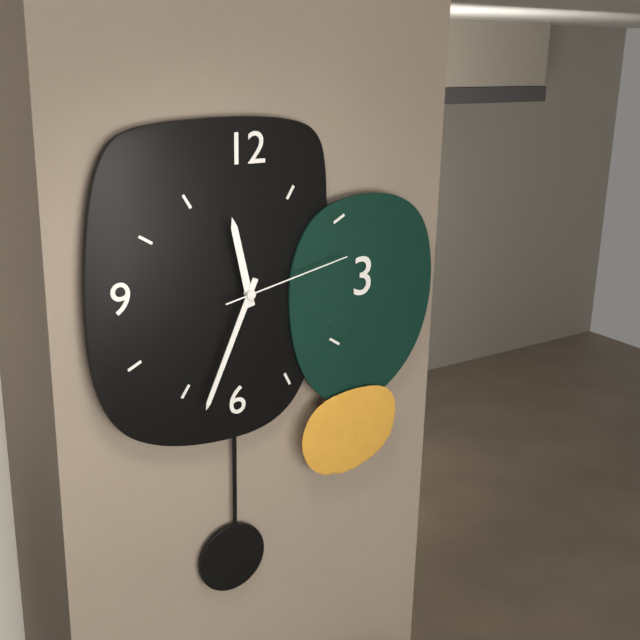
11:34:13
